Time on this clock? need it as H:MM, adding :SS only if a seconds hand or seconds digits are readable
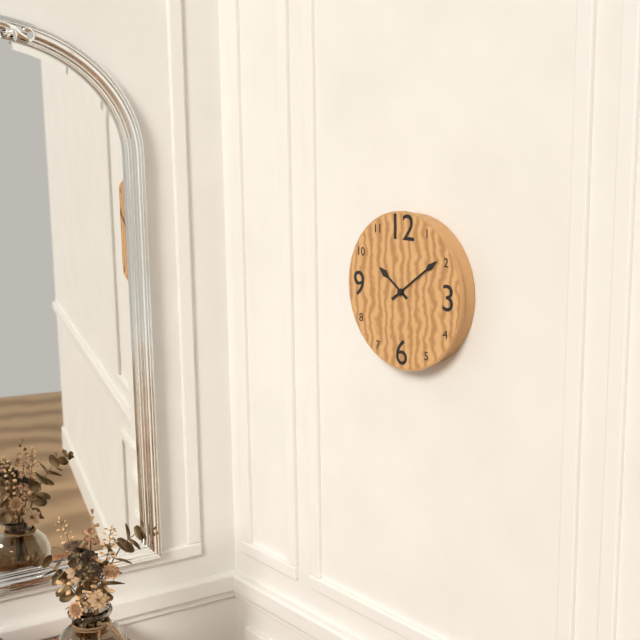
10:09
